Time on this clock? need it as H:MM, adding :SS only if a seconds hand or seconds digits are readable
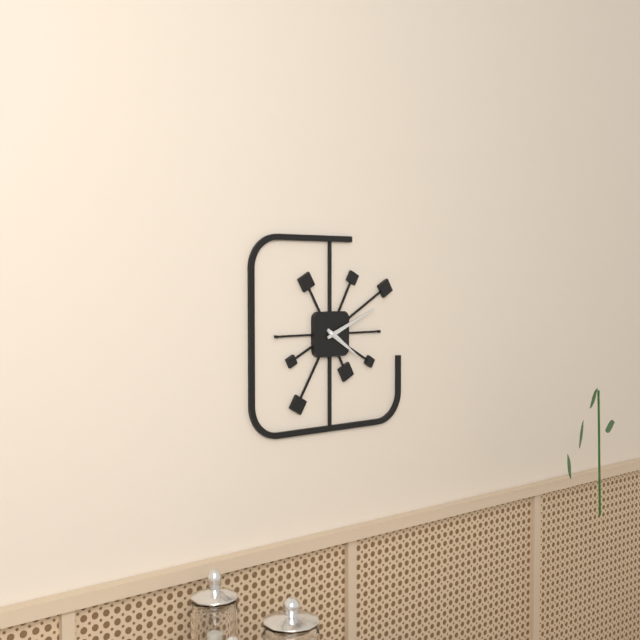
4:11
